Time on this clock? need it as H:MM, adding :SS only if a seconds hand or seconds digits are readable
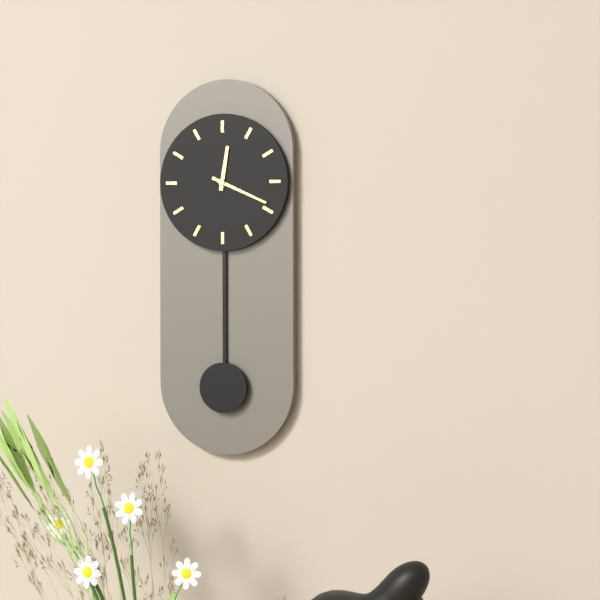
12:19
